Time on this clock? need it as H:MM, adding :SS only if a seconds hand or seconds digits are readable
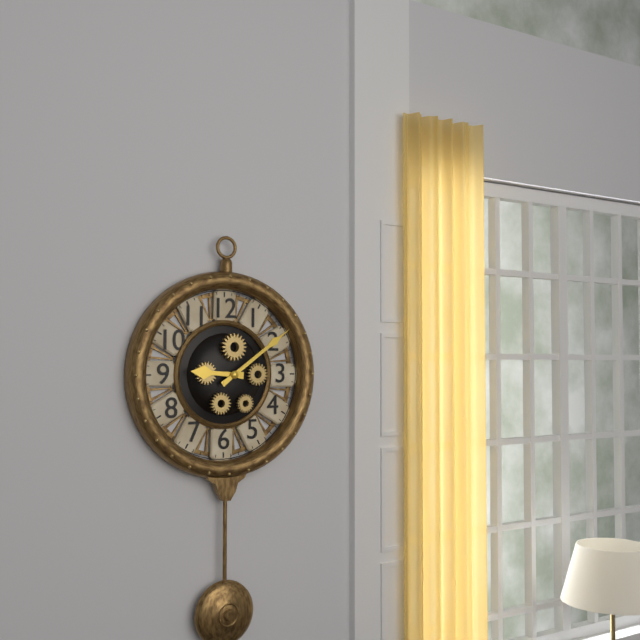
9:09
